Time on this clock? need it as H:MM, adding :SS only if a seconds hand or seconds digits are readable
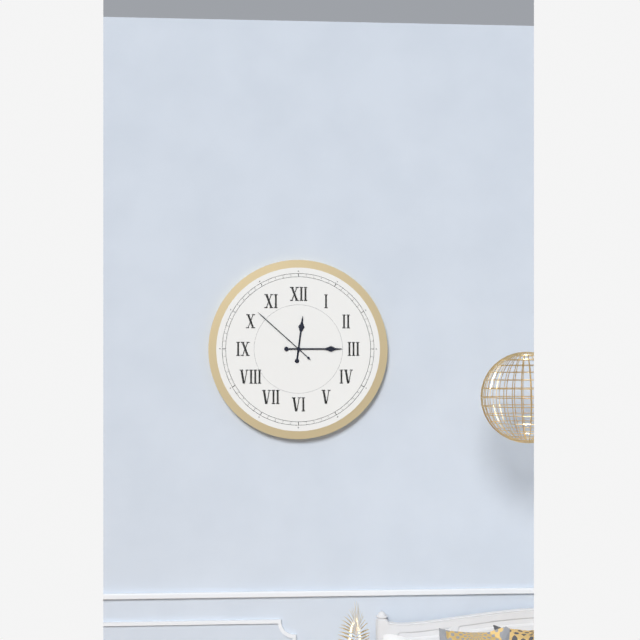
12:15:52
